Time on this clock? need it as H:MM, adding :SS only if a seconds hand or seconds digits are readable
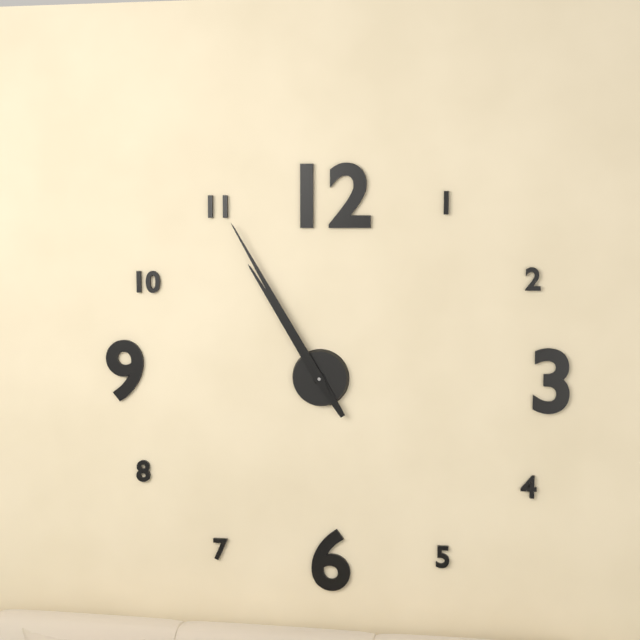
10:55
